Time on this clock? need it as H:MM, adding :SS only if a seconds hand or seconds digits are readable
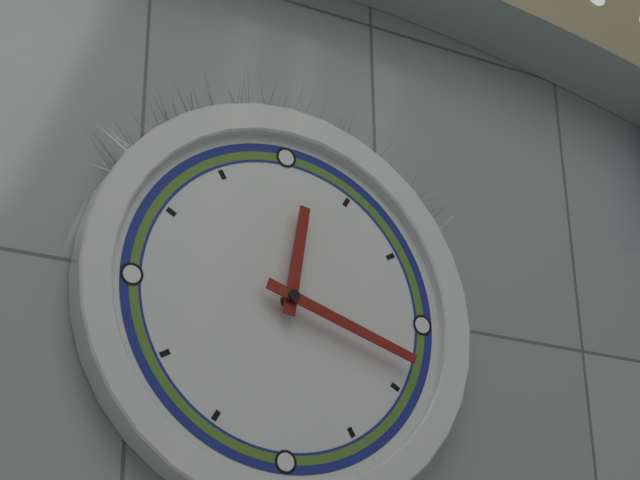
12:18
